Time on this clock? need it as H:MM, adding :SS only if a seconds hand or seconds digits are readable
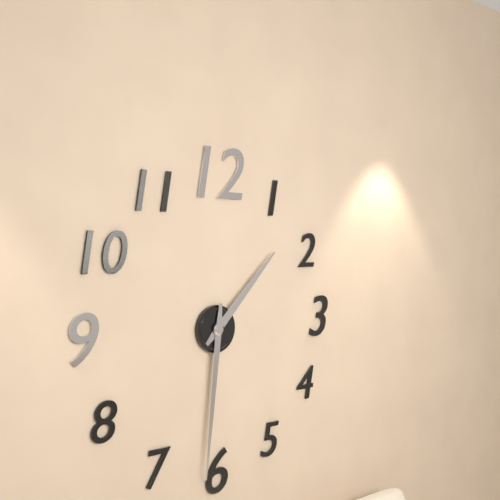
1:31
